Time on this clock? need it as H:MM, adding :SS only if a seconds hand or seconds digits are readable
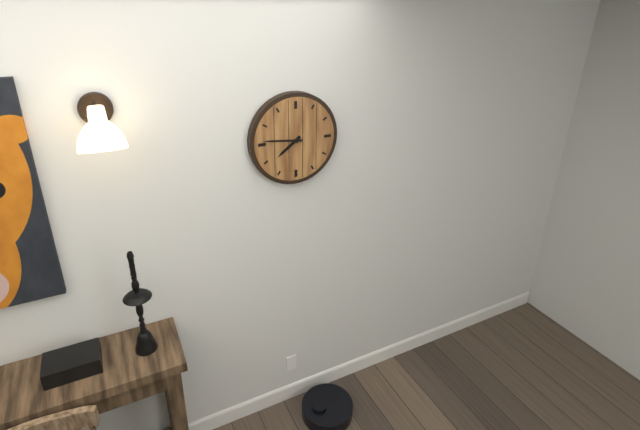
7:46
